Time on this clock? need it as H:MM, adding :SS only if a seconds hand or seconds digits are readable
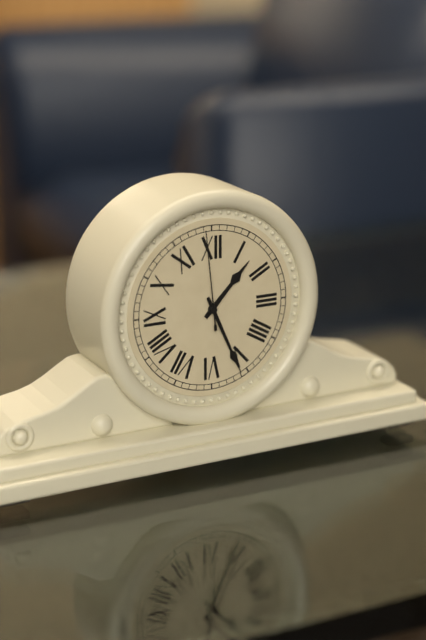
1:26:59
